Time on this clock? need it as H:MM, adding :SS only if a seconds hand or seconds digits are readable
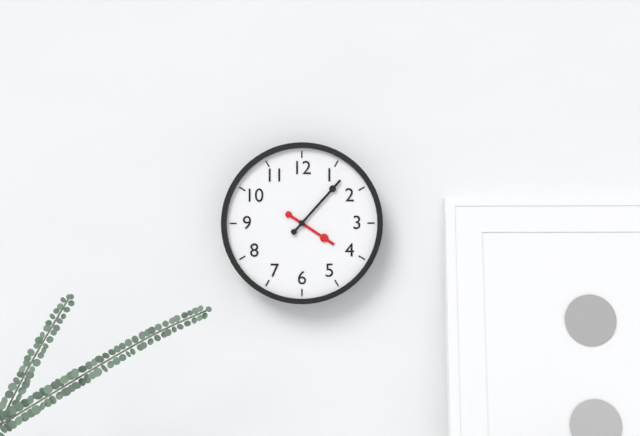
4:07
